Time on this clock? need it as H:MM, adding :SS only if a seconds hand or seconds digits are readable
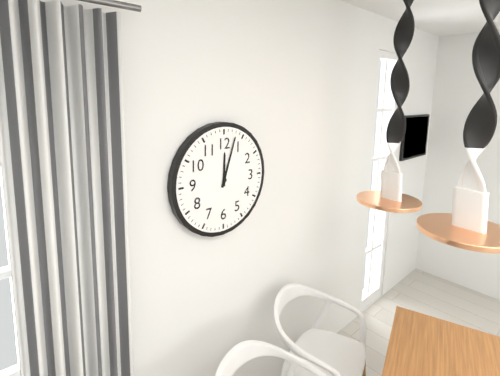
12:03
